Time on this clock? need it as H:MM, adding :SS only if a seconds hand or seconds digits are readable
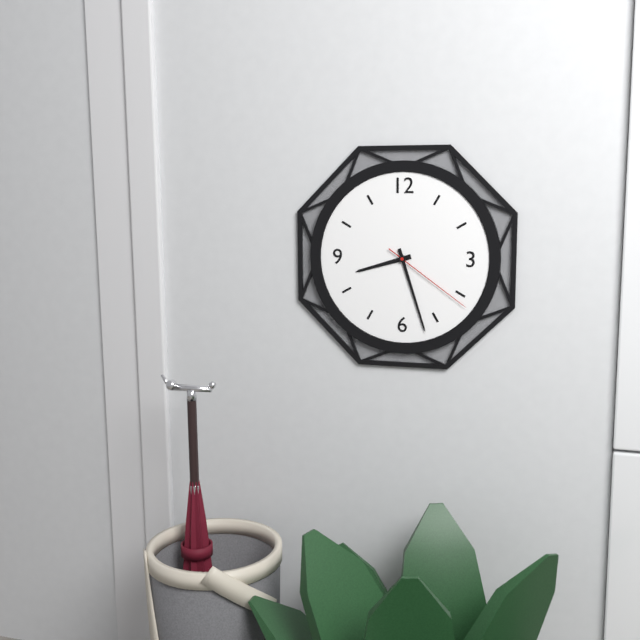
8:27:21
